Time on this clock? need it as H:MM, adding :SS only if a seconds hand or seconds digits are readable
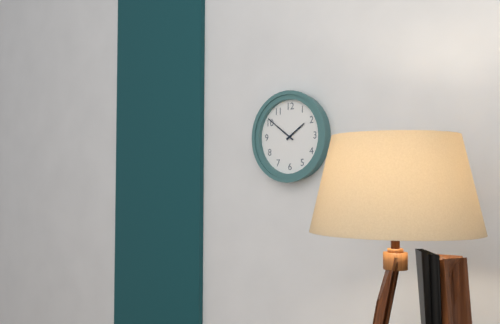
1:51
